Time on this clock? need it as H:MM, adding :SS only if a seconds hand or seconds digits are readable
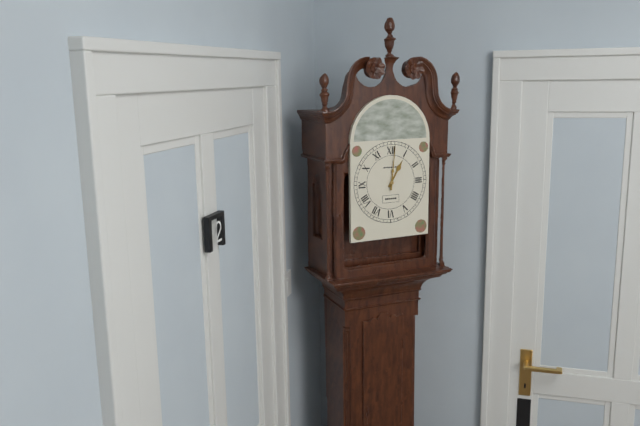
1:01
